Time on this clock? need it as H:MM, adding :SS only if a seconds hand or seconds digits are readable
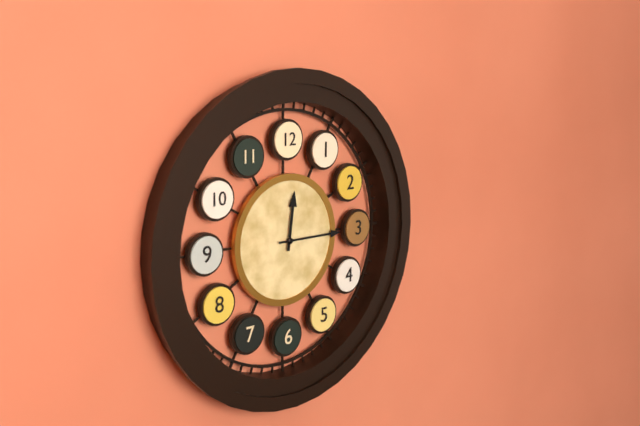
12:15
